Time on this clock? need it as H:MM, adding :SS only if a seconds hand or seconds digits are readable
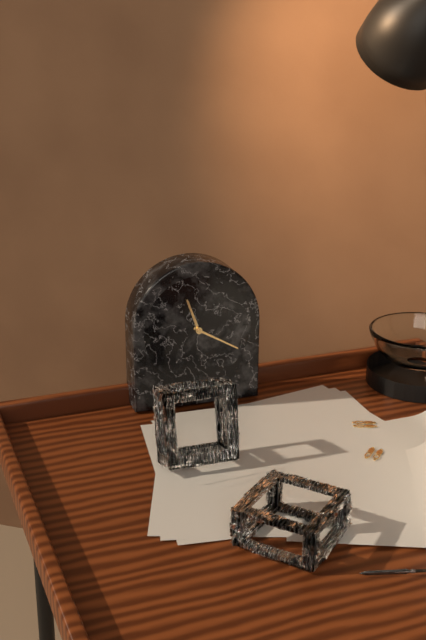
11:20
